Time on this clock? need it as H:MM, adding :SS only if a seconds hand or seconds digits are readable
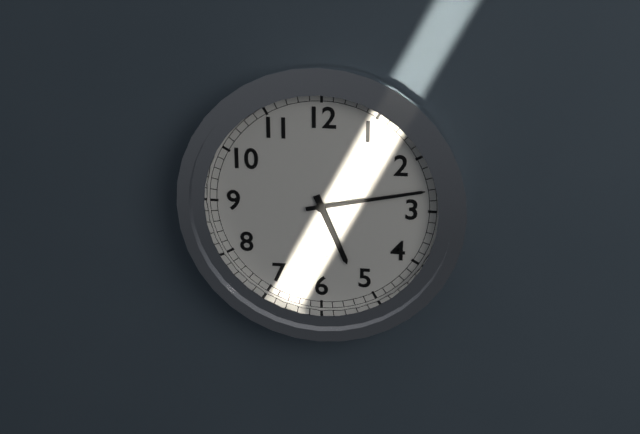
5:13
